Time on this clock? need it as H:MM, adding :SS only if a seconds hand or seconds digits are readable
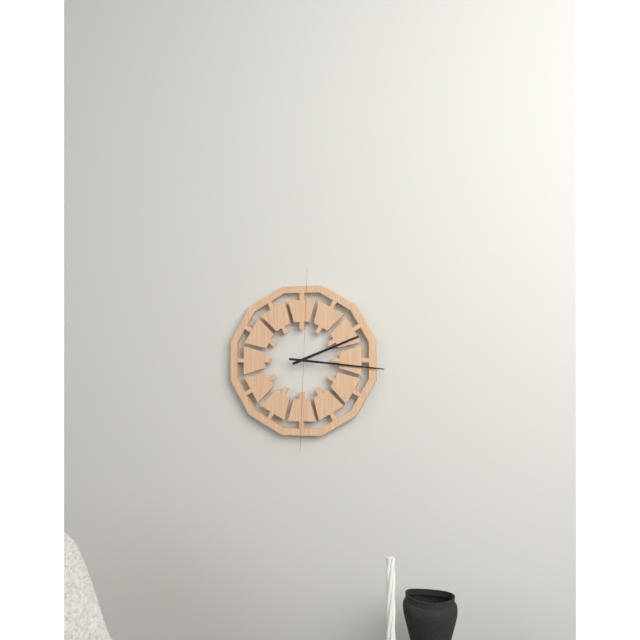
2:16
